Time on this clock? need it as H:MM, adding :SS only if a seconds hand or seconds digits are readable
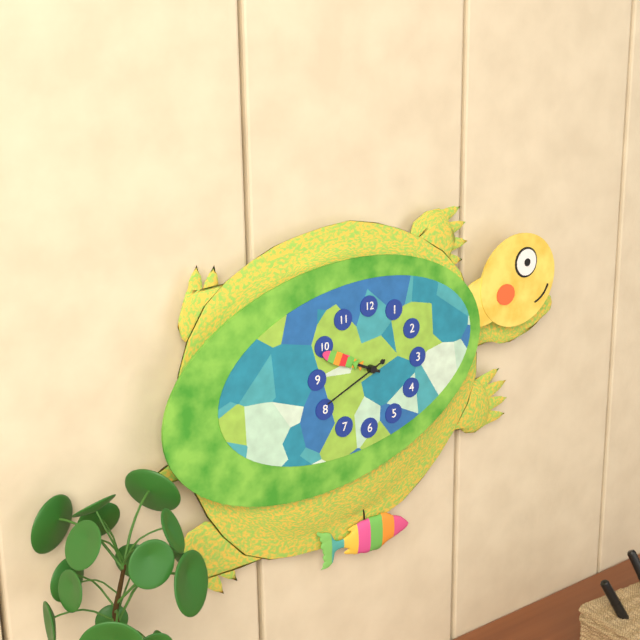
9:49:41
